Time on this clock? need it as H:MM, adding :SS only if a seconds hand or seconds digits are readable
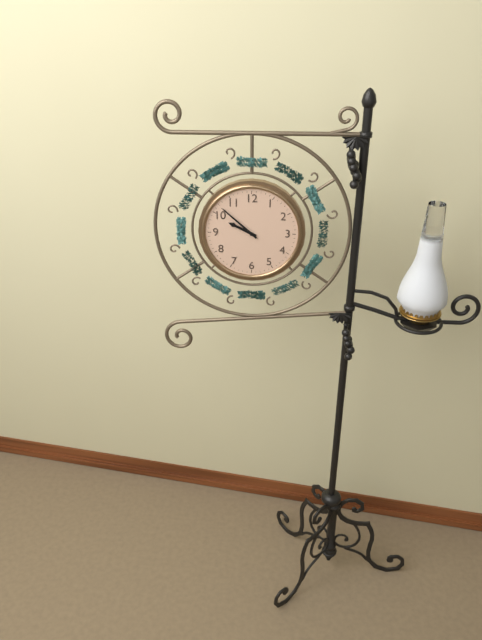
9:52
